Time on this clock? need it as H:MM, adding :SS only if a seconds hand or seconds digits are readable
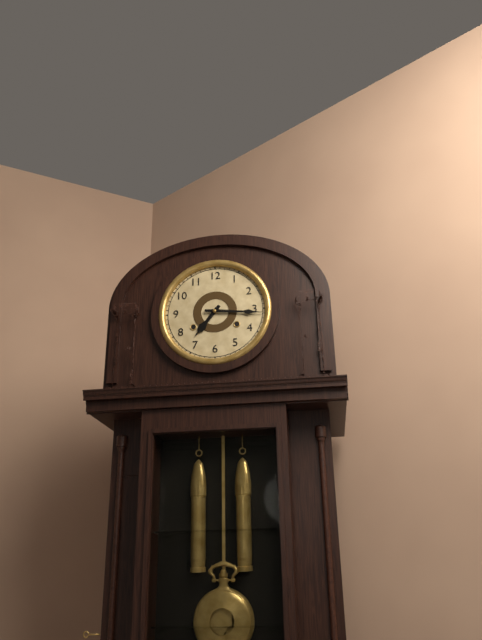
7:16
